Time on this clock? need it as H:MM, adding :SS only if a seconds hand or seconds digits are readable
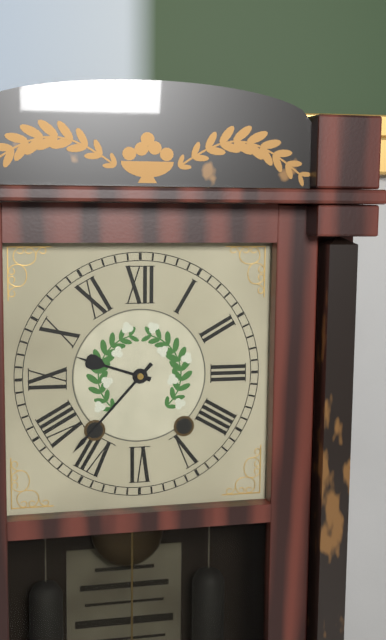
9:37
